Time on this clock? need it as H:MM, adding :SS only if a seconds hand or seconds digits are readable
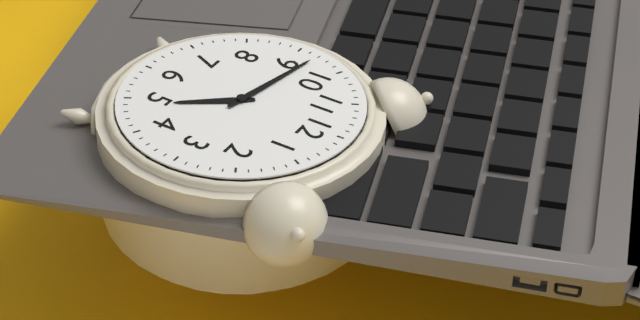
4:47
